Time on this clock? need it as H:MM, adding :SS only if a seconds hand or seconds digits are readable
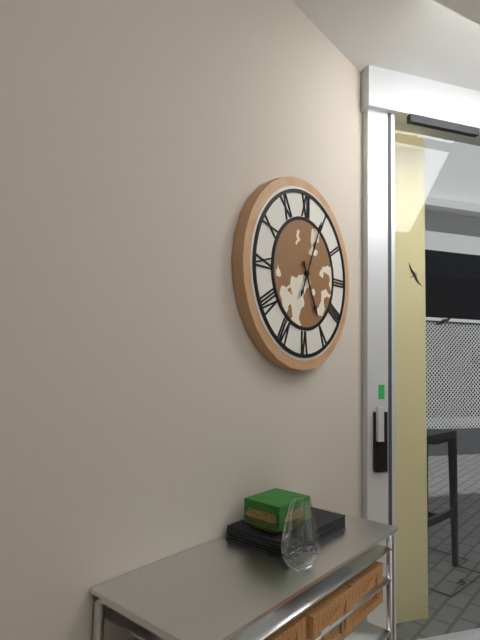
5:04
